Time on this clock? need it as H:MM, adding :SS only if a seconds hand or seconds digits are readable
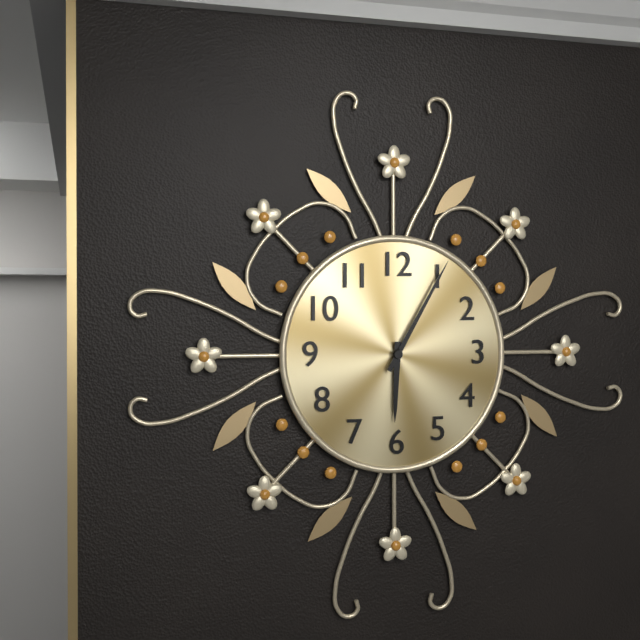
6:05
